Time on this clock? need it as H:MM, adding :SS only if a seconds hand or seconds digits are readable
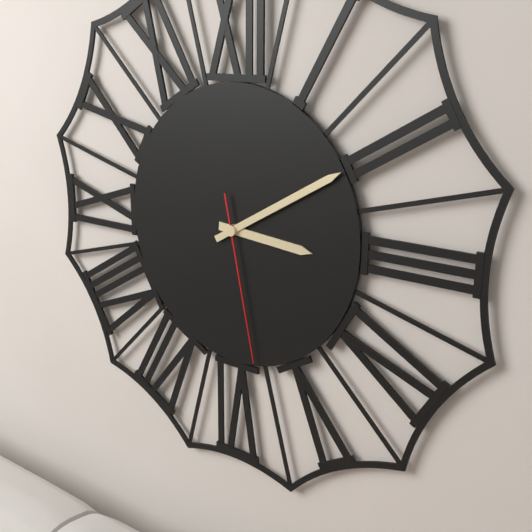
3:10:28
